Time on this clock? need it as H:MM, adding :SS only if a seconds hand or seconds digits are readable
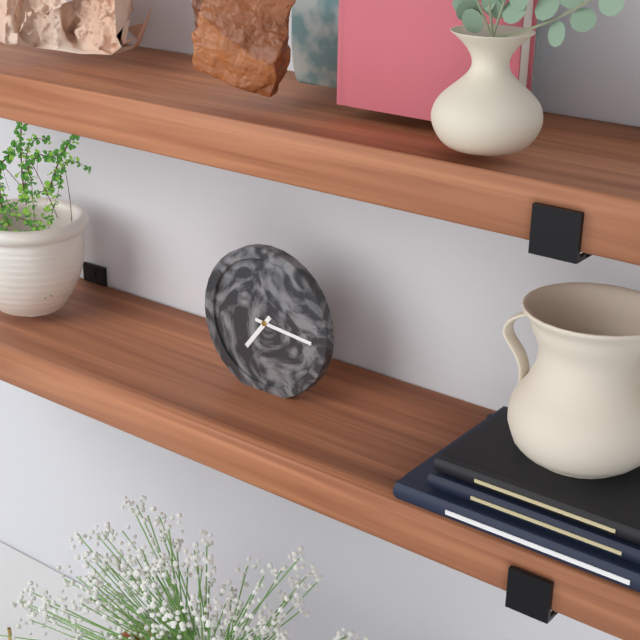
7:16
